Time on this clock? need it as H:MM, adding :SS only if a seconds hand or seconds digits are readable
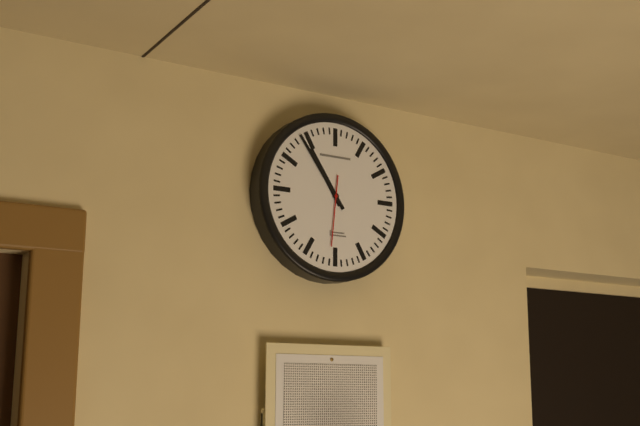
10:54:31
